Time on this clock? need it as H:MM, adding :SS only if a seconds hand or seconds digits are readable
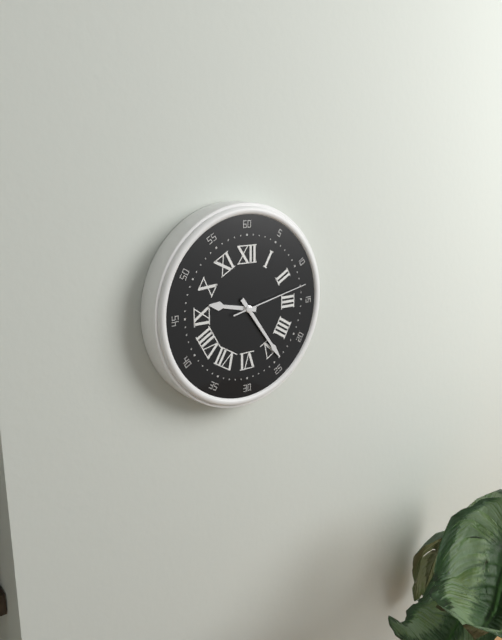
9:24:13
